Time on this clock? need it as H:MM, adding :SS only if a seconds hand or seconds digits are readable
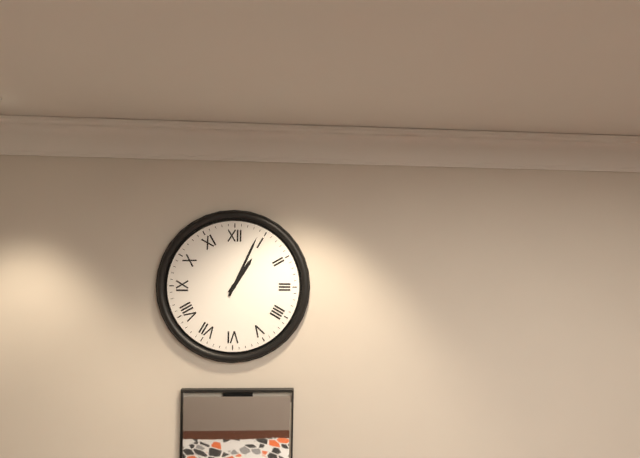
1:04
